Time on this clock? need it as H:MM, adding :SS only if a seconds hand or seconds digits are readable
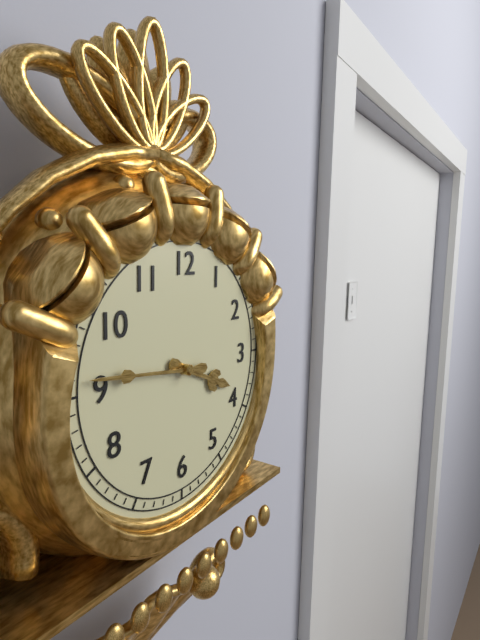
3:46
